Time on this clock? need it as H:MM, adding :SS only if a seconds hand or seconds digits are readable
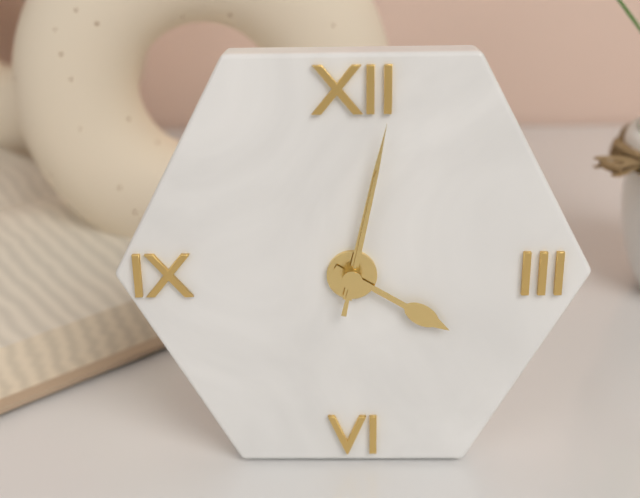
4:02:02
